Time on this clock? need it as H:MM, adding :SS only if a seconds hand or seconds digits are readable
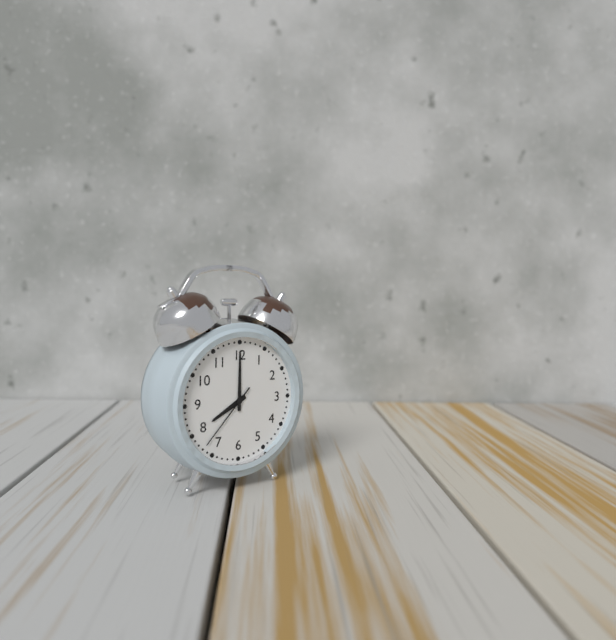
8:00:37
